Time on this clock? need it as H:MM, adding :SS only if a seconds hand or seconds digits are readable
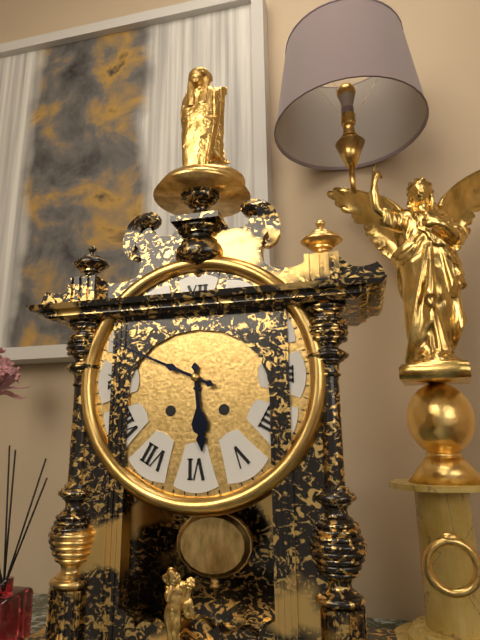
5:49
